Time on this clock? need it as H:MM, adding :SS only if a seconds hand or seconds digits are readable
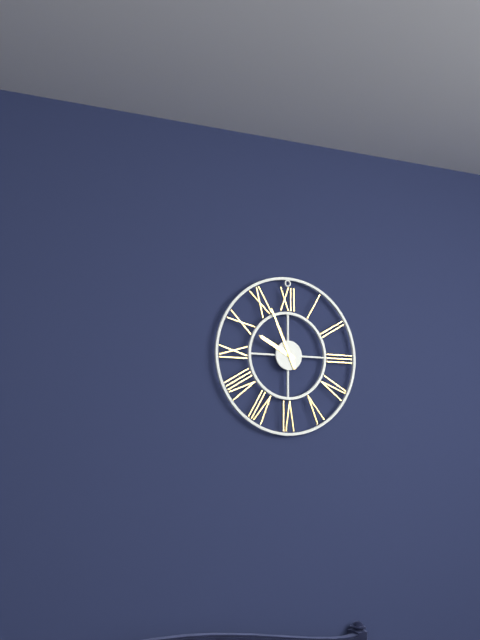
9:56
